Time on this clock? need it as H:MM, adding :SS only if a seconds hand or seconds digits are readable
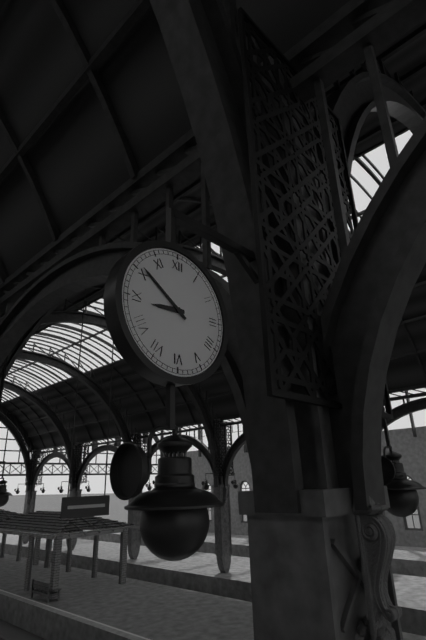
8:51
